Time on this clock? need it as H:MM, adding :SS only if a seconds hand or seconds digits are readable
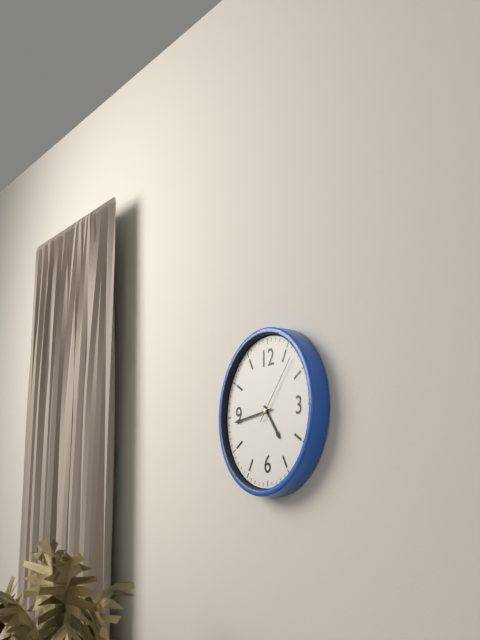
4:44:07
